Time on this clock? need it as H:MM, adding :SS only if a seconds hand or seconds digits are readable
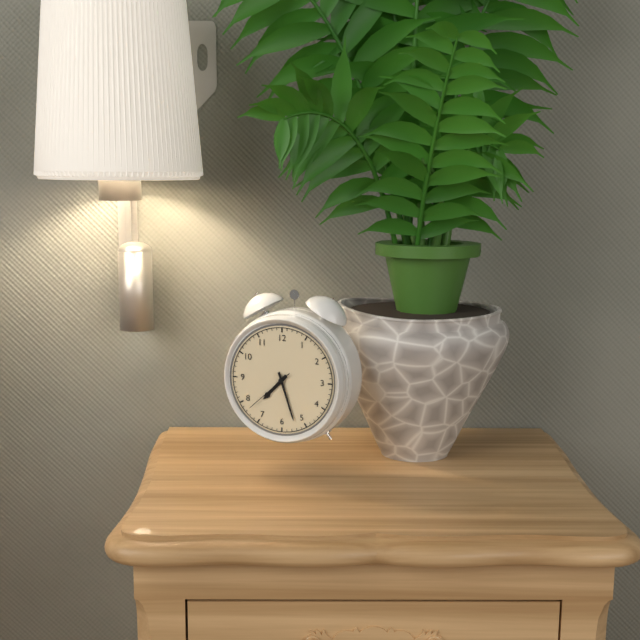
7:27:38
